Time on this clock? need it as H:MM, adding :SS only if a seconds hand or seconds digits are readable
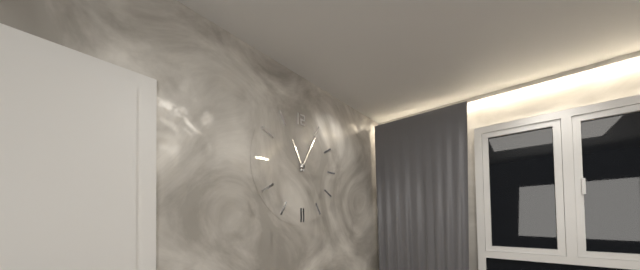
11:05
